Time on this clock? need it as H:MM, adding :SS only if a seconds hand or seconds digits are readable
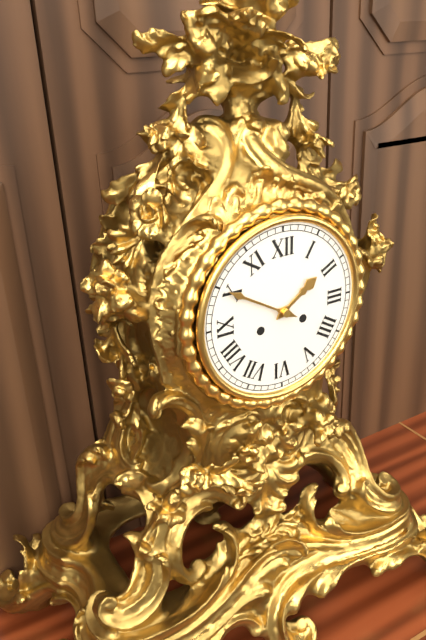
1:50
